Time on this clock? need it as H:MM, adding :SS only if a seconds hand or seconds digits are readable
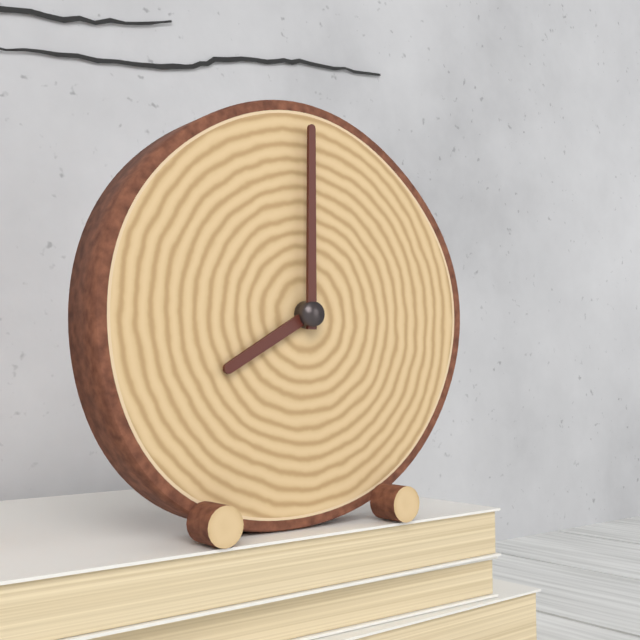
8:00
